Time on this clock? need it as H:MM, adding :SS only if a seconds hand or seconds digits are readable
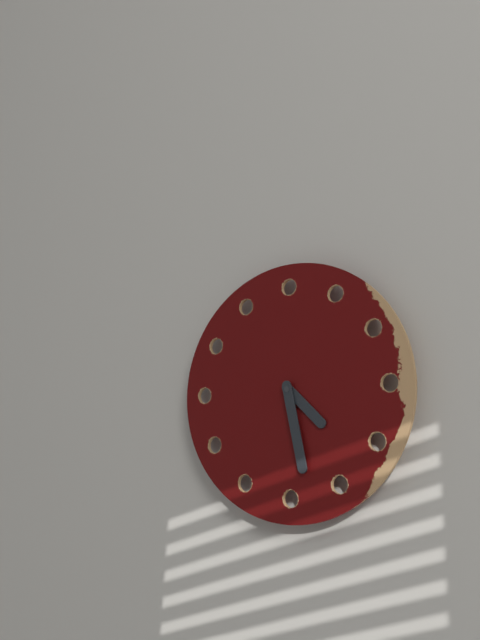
4:28
